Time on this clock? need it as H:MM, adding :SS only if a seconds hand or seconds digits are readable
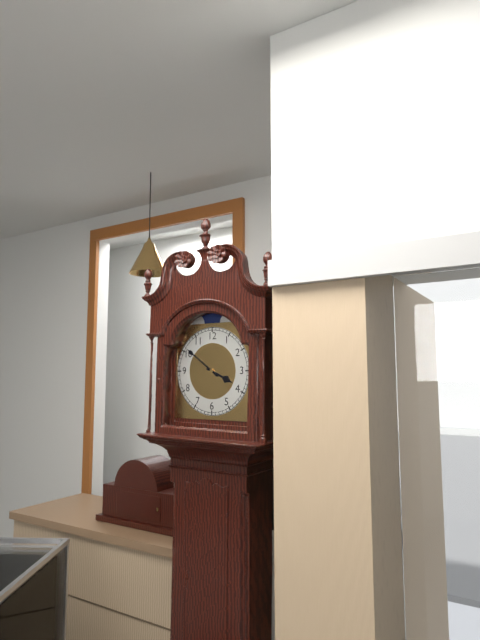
3:51
